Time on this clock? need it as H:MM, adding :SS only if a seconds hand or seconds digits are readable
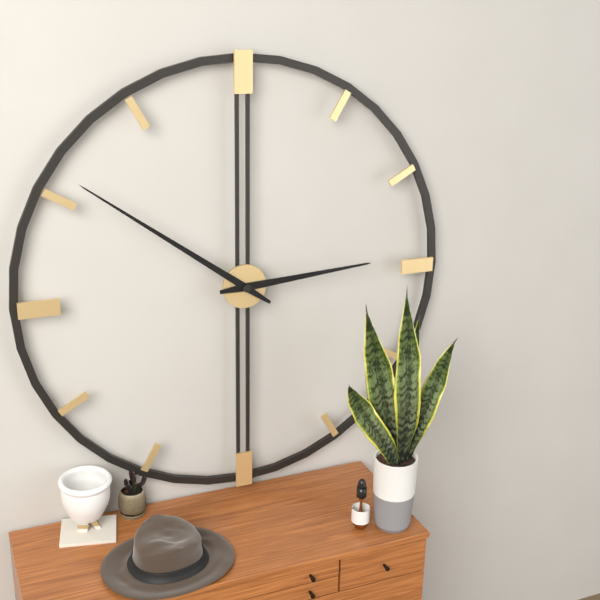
2:51
